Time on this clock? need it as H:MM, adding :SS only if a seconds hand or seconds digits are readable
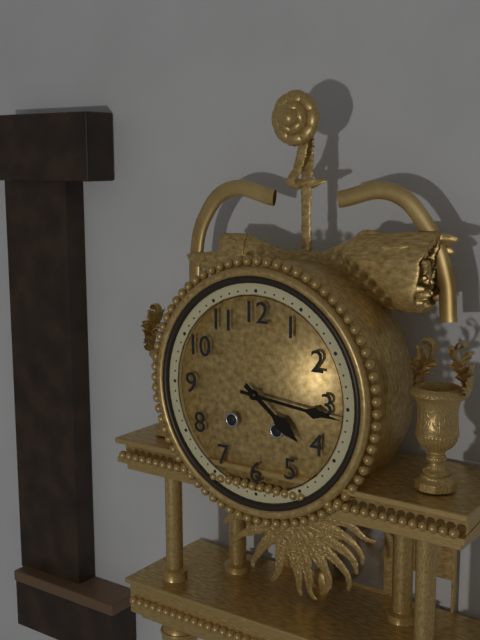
4:16
